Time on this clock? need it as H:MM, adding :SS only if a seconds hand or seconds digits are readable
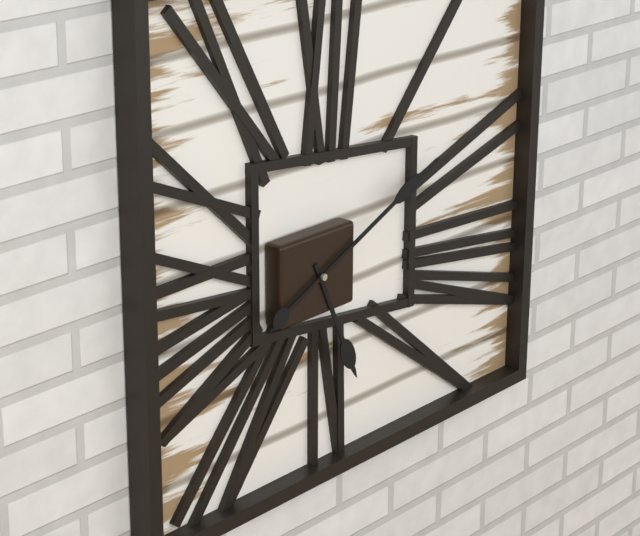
5:11
